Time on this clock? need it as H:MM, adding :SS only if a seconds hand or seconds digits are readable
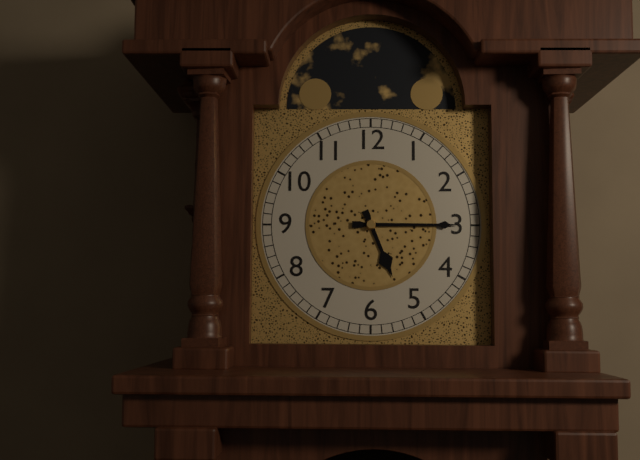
5:15
